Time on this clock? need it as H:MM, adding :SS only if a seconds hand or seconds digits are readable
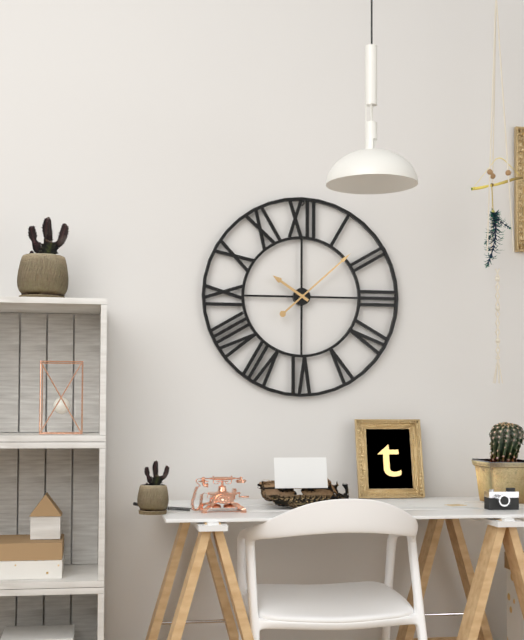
10:08
